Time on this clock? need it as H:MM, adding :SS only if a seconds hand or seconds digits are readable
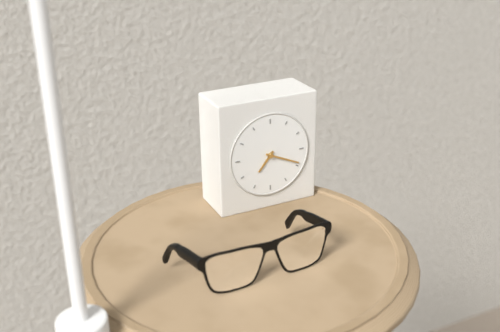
7:19
